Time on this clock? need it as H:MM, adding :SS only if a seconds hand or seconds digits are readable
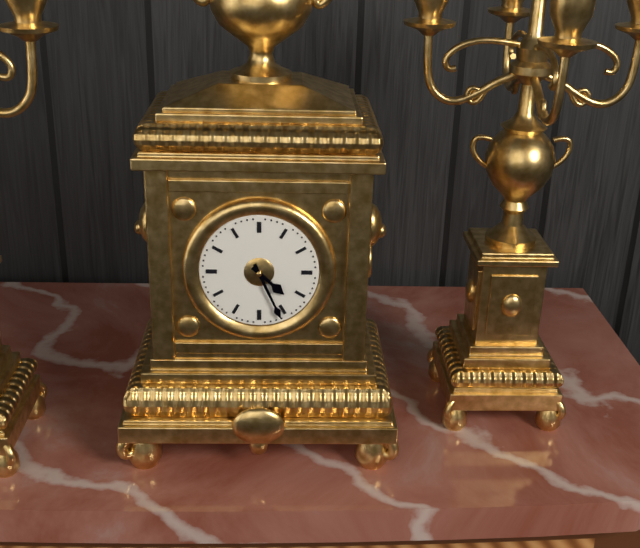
4:26
